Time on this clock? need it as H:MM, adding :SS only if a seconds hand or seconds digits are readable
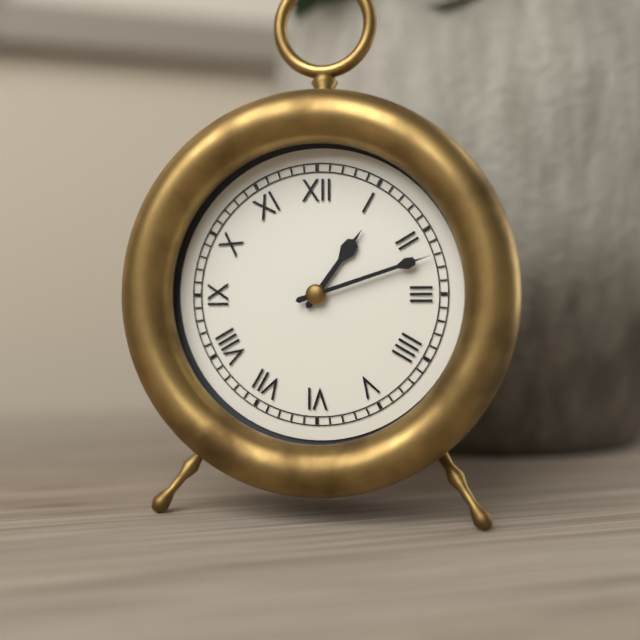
1:12
